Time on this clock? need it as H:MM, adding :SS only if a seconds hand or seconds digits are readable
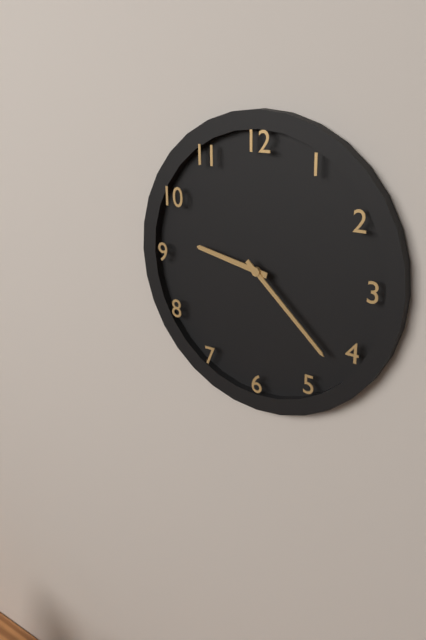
9:22
